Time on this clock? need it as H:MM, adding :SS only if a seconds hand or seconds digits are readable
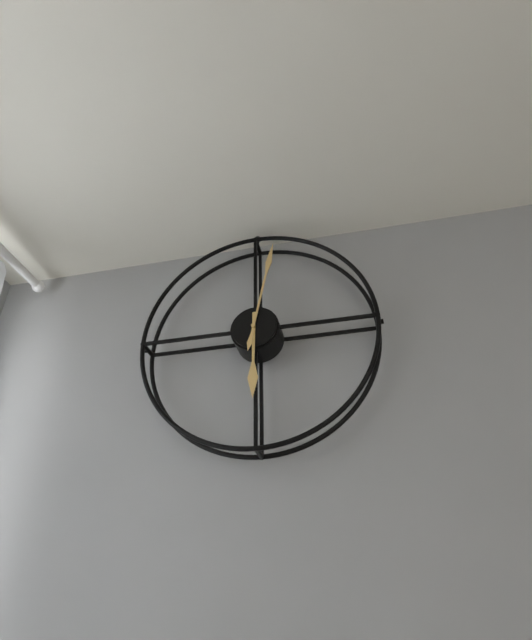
6:02
